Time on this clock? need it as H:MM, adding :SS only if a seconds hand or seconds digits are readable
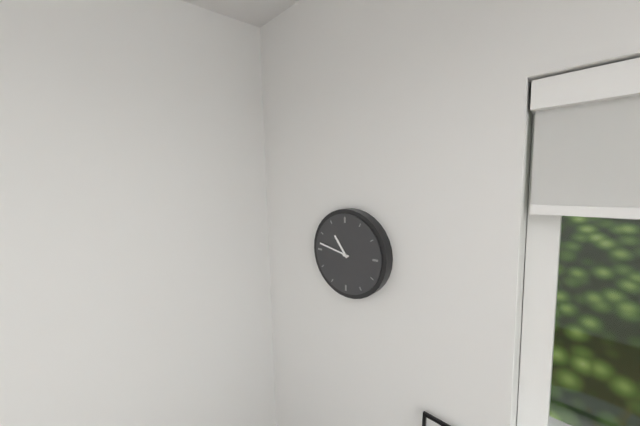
10:47
